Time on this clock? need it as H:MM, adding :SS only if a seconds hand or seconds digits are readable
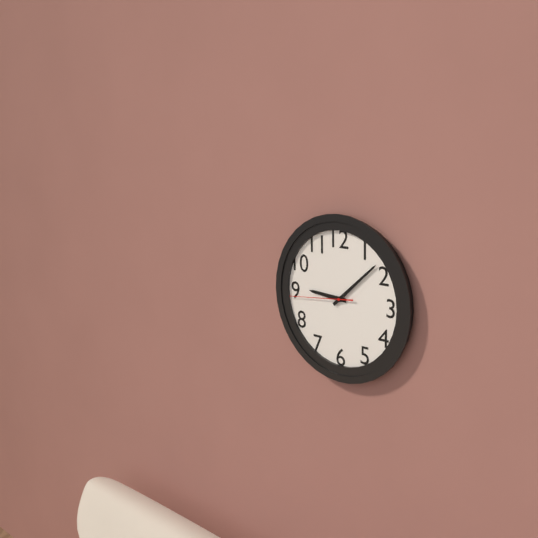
9:08:44
